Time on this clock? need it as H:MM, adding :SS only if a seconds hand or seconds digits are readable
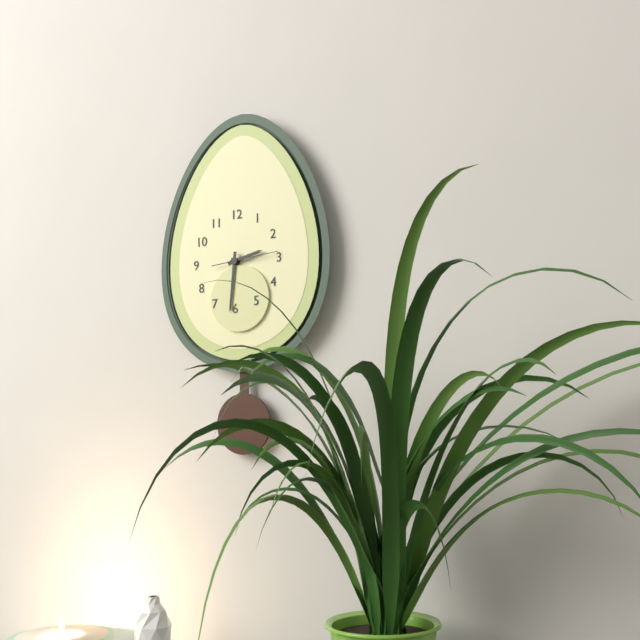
2:31
